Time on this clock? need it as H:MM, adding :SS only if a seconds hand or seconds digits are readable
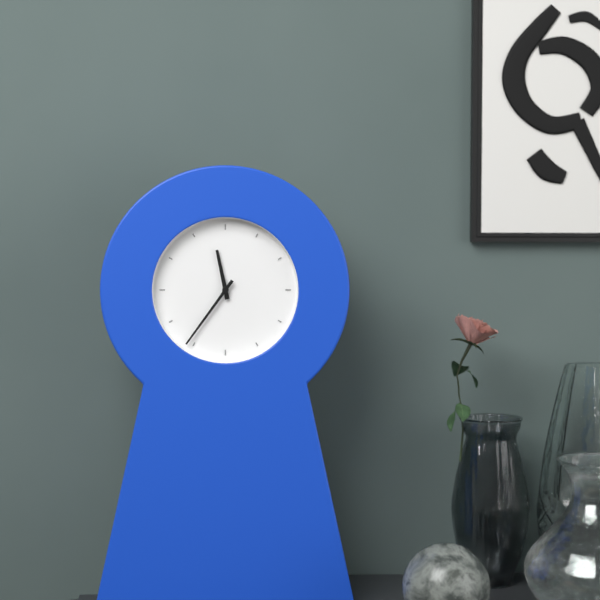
11:36
